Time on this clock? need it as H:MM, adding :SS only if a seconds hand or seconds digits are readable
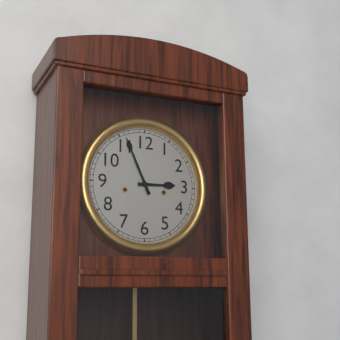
2:56
